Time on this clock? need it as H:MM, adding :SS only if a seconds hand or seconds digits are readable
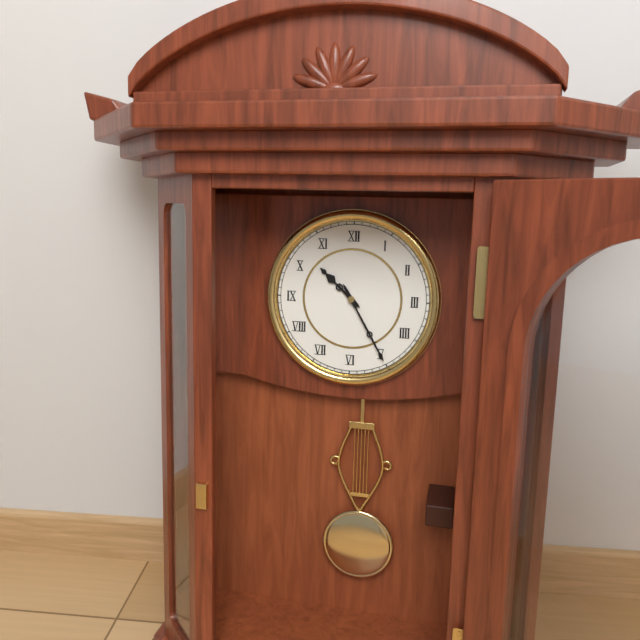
10:25
